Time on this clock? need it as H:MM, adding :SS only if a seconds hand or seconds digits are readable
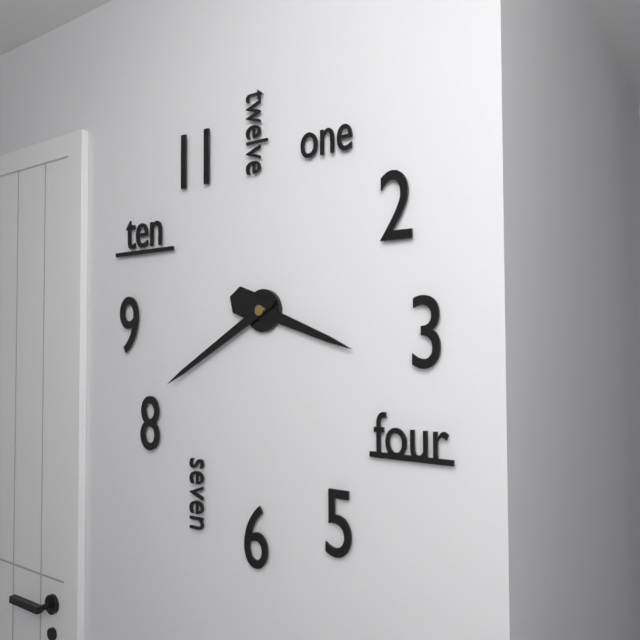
3:40
